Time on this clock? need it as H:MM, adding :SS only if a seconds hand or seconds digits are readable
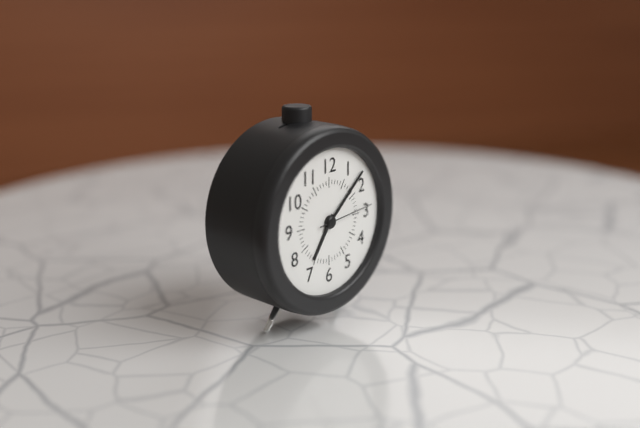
7:08:14
